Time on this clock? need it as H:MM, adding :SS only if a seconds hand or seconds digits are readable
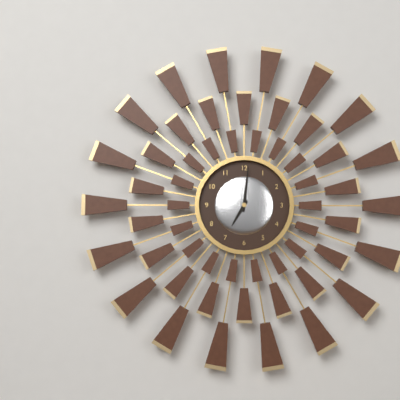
7:01
